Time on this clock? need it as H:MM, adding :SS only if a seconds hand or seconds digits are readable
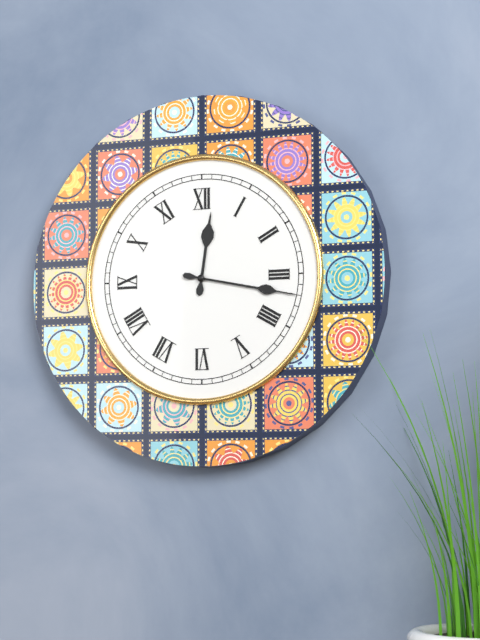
12:17
